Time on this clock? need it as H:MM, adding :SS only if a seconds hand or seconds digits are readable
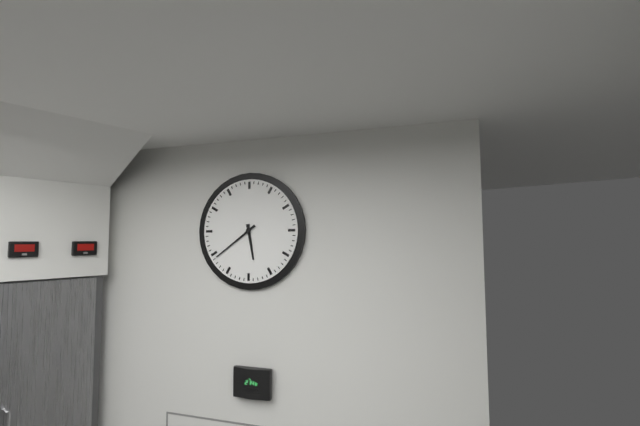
5:39
